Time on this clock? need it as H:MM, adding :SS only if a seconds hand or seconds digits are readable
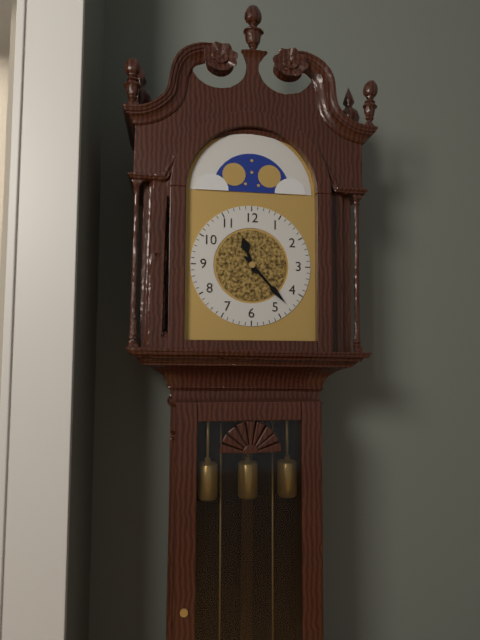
11:23
